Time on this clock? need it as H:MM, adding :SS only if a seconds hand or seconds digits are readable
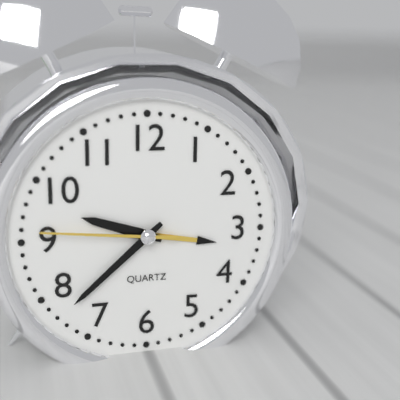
9:38:46
